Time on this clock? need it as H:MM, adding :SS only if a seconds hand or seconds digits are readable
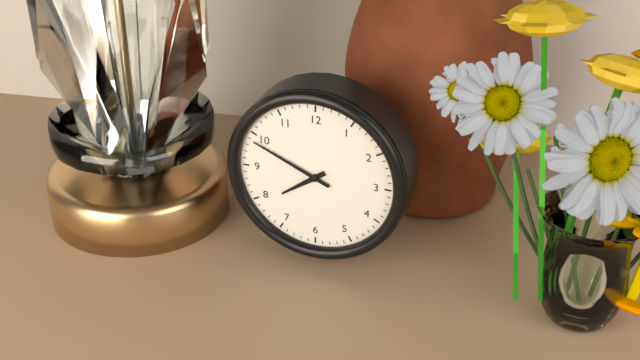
7:49
